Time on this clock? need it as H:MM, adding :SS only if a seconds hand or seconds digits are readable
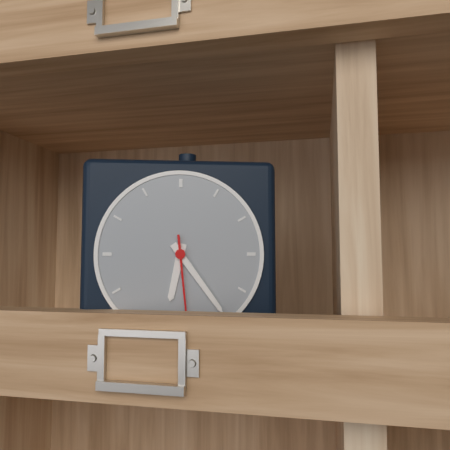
6:24:29
